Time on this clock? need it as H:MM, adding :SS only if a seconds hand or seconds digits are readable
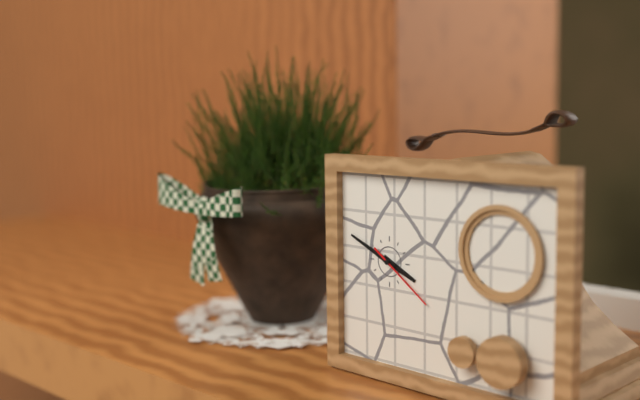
3:49:21
